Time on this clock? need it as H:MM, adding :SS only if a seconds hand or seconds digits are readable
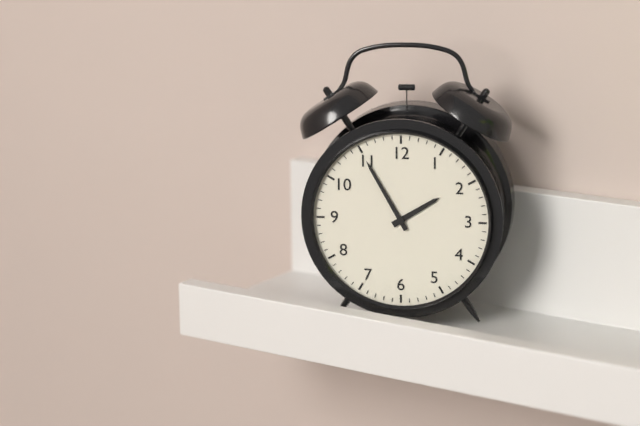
1:55
